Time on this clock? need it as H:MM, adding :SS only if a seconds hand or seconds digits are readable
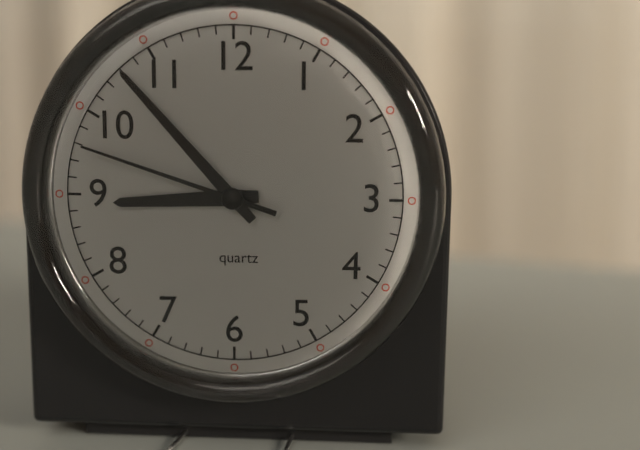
8:53:48
